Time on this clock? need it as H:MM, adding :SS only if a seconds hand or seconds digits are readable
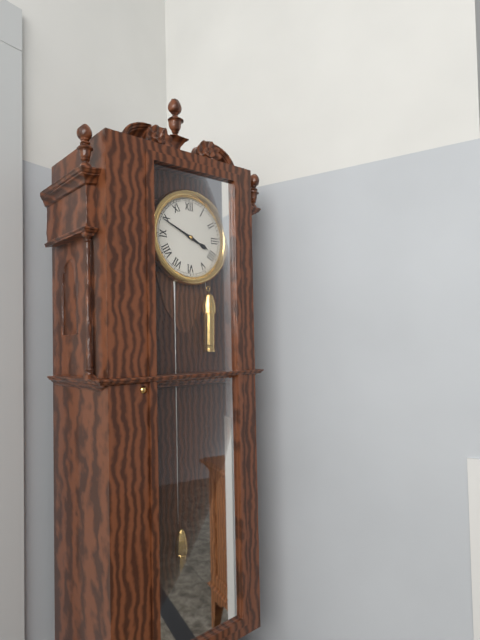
3:49
